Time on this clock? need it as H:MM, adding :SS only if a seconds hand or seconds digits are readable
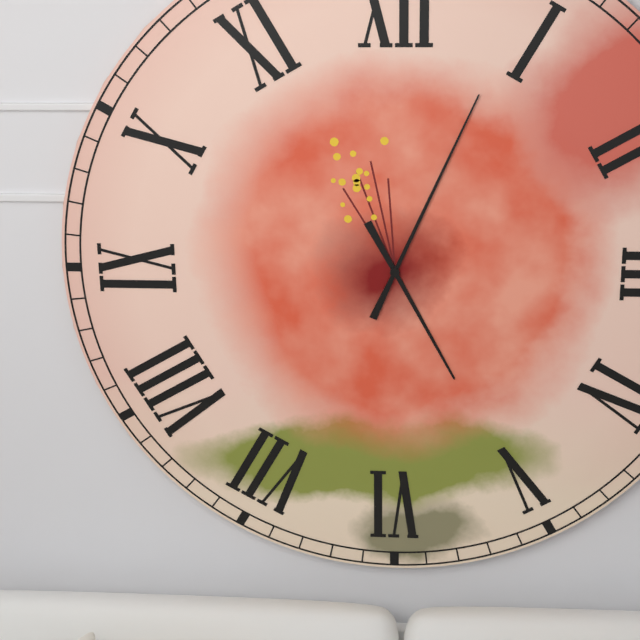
5:04
